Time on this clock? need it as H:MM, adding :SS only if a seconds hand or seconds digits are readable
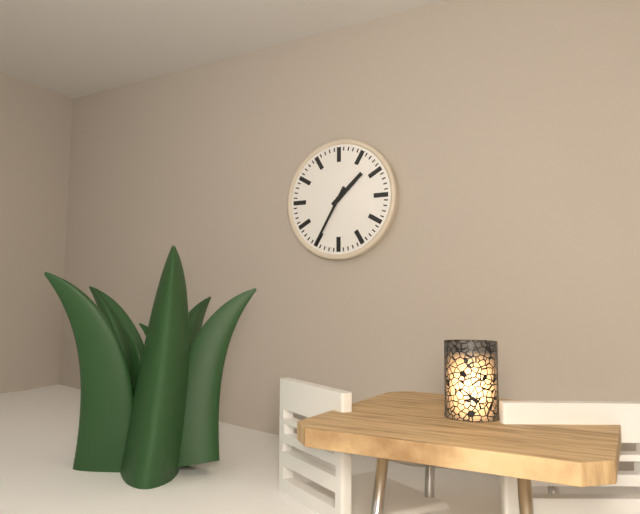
1:35
